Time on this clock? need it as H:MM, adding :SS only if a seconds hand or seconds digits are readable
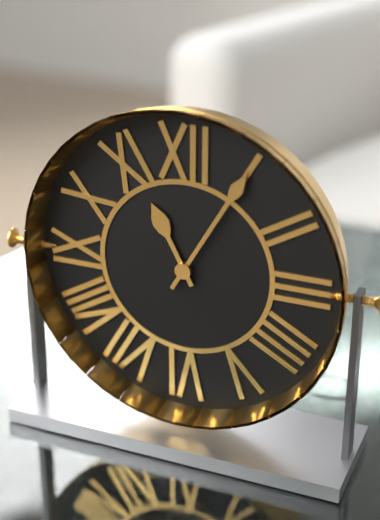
11:05
